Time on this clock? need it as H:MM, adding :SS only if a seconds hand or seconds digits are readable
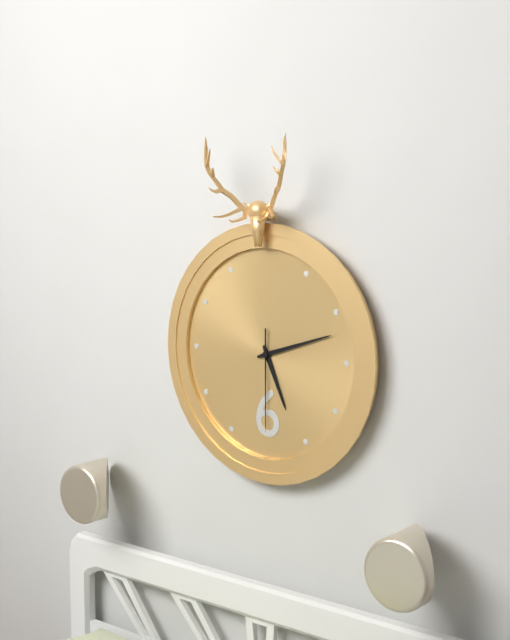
5:12:30
